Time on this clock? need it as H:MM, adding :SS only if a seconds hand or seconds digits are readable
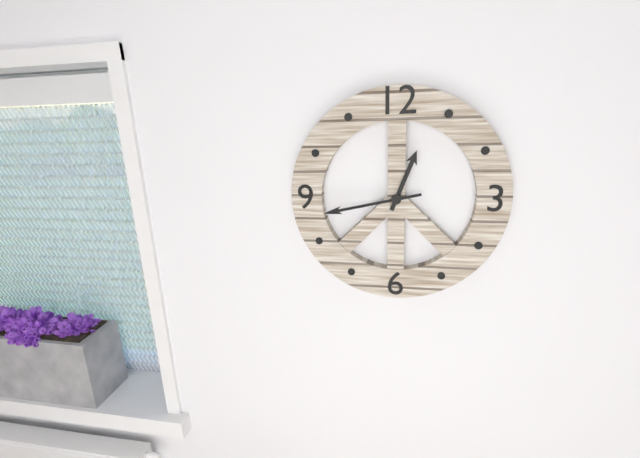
12:43
